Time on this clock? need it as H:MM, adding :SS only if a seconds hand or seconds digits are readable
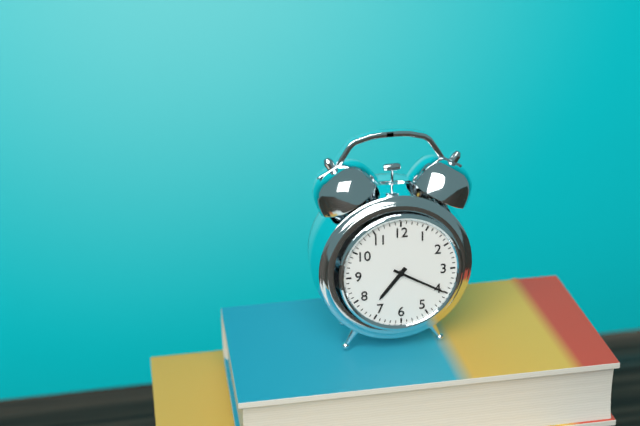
7:20
